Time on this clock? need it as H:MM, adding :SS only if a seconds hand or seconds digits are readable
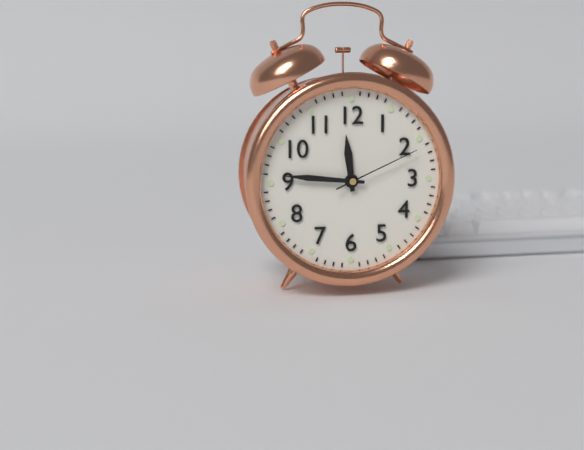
11:46:11
